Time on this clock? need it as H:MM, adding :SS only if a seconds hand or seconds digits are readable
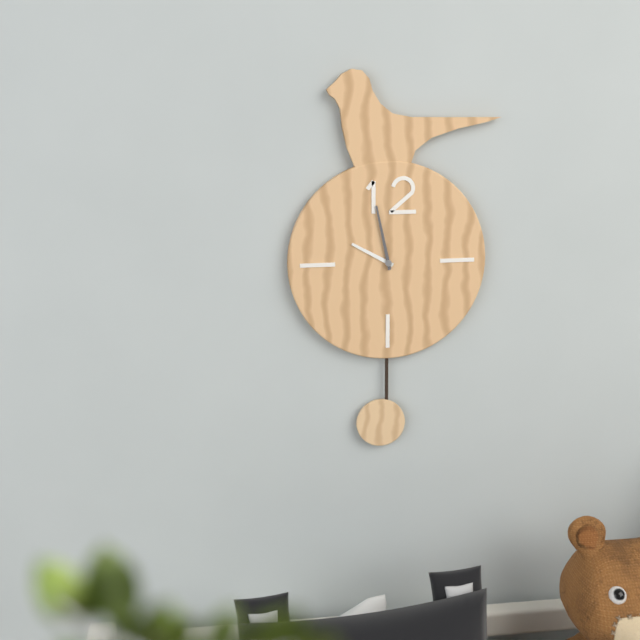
9:58
